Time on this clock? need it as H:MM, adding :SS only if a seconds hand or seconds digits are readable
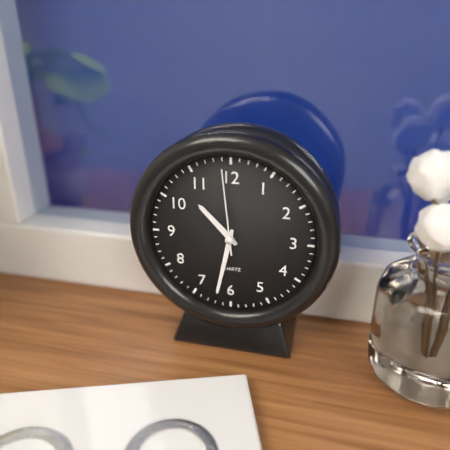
10:32:59
